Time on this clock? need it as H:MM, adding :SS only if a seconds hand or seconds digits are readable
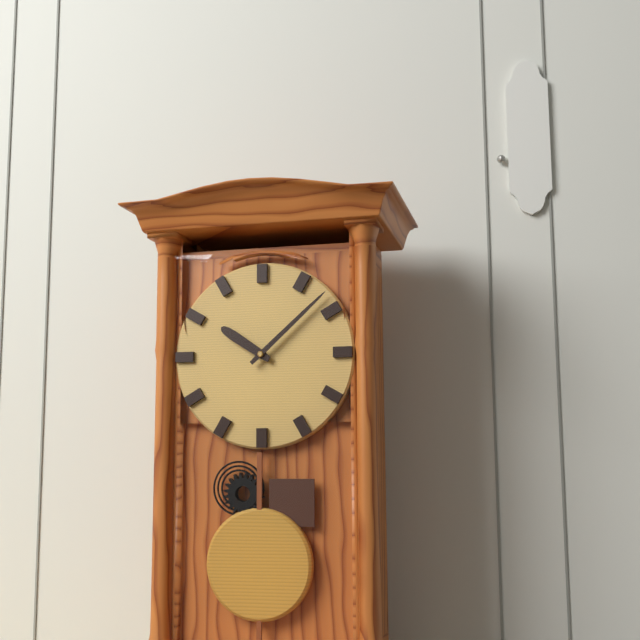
10:08
